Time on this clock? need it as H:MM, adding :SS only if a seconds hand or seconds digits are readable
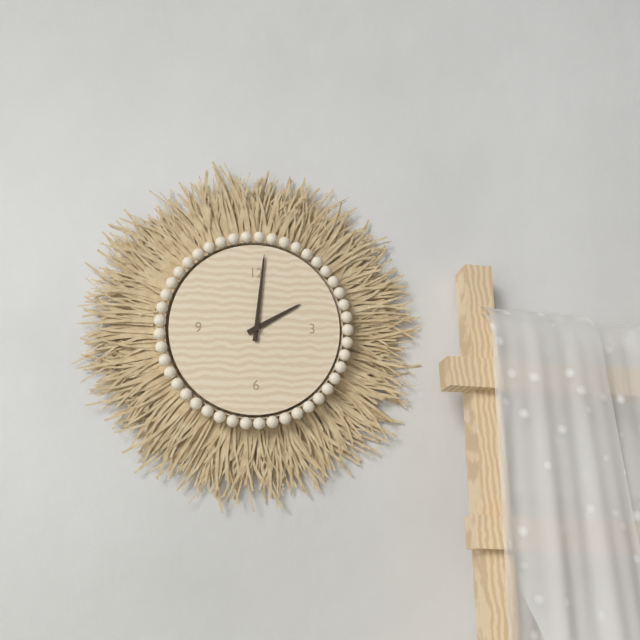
2:01
